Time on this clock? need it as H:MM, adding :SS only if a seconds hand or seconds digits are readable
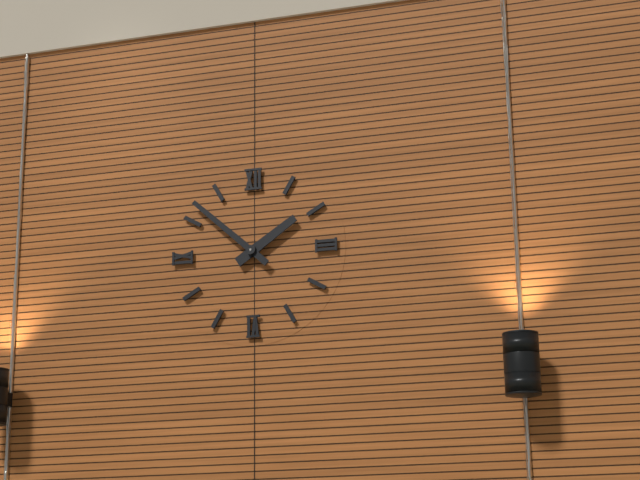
1:52
